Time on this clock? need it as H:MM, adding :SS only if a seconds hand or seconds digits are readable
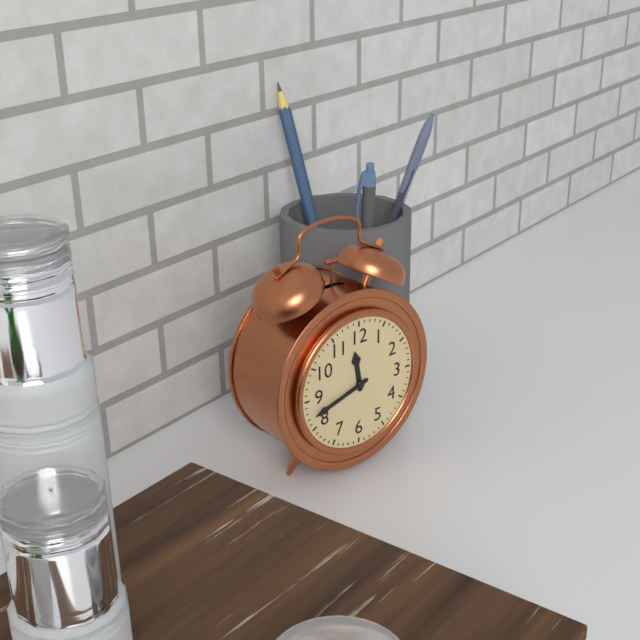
11:42
